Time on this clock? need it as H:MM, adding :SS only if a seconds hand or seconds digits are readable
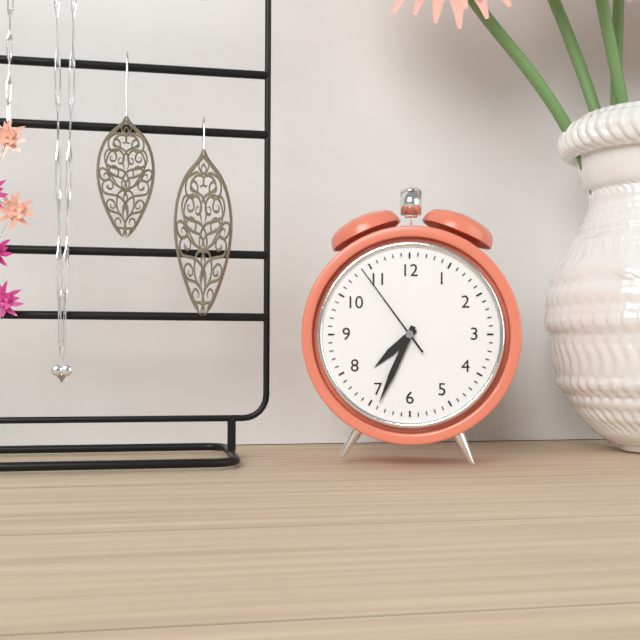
7:34:54
